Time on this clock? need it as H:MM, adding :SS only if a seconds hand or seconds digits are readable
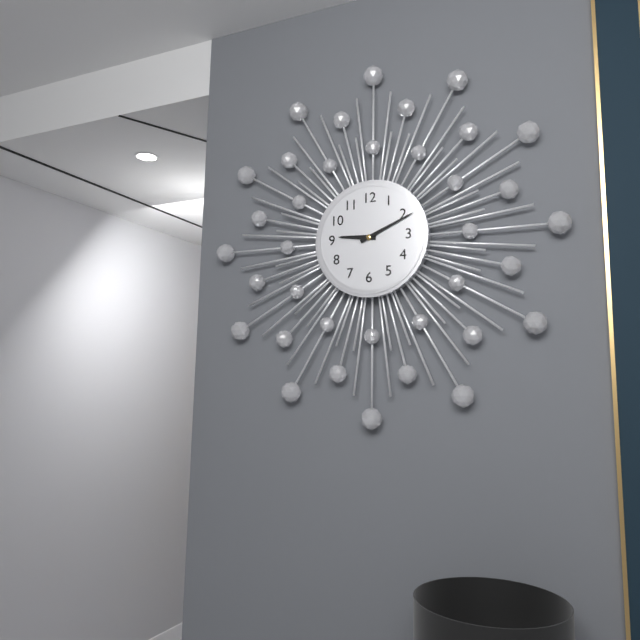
9:11
